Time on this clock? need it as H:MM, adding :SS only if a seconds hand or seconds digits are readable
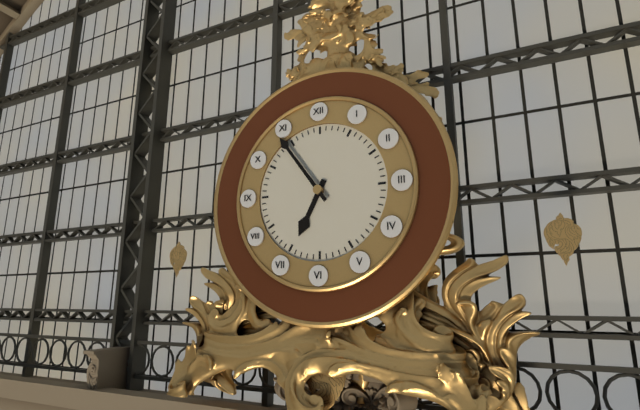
6:54
